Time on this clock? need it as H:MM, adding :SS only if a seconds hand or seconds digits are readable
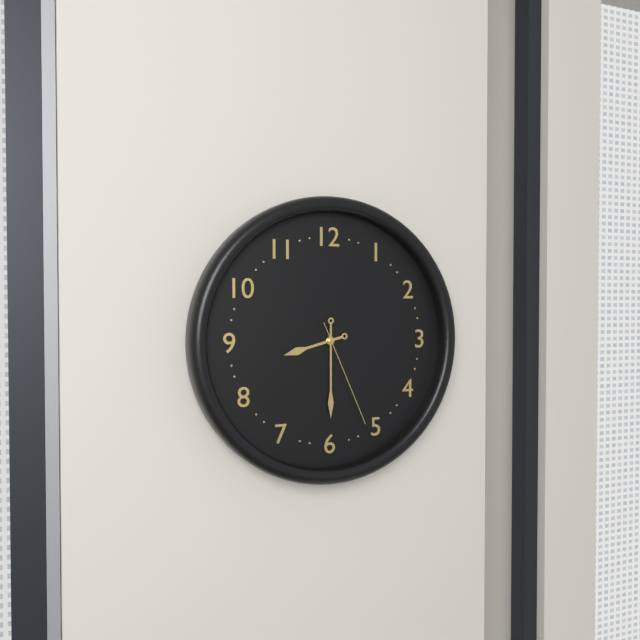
8:30:26
